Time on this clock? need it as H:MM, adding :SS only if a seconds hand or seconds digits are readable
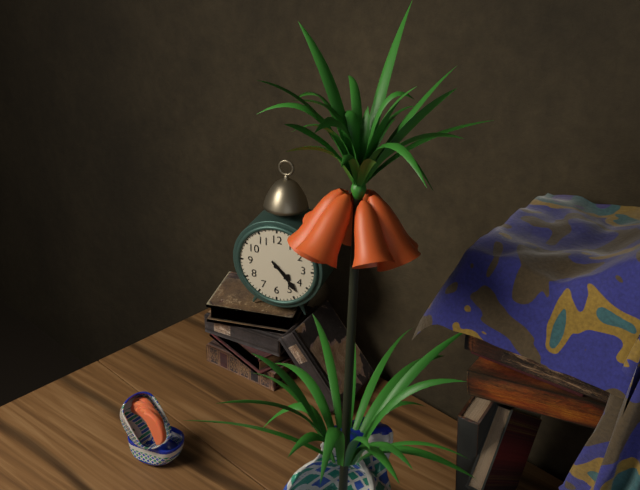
4:23
